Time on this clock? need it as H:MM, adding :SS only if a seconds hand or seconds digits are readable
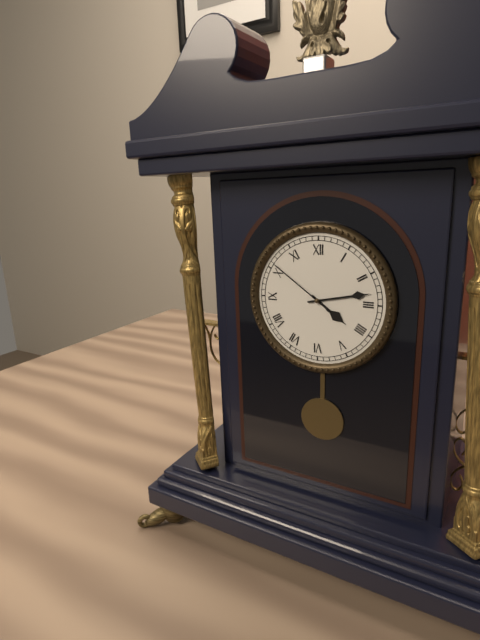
4:13:51
